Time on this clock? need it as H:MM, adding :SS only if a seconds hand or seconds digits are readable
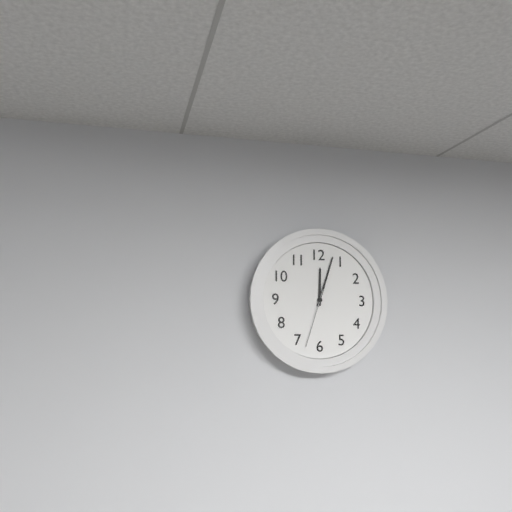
12:03:33
